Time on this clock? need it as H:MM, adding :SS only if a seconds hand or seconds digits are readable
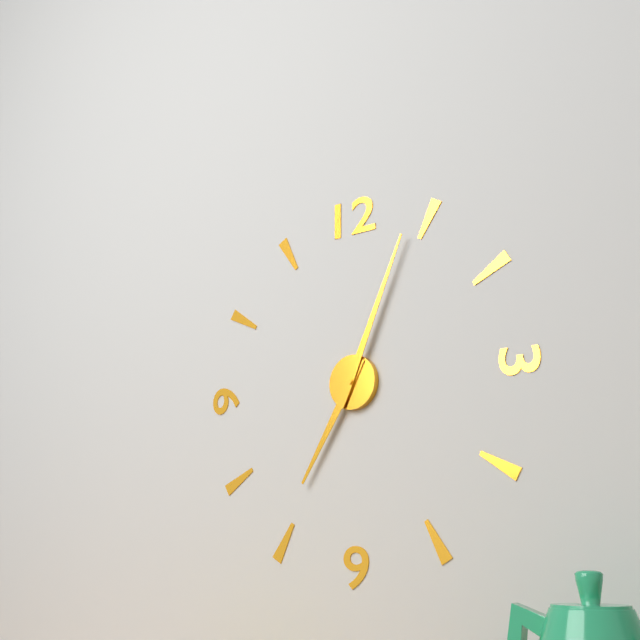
7:04
